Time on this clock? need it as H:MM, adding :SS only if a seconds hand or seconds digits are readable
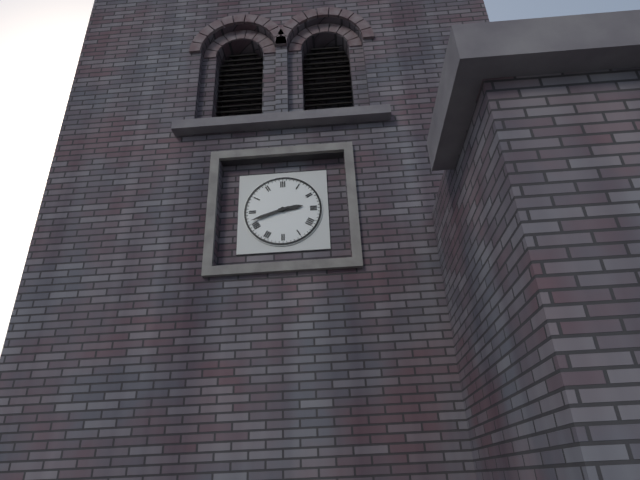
2:42
